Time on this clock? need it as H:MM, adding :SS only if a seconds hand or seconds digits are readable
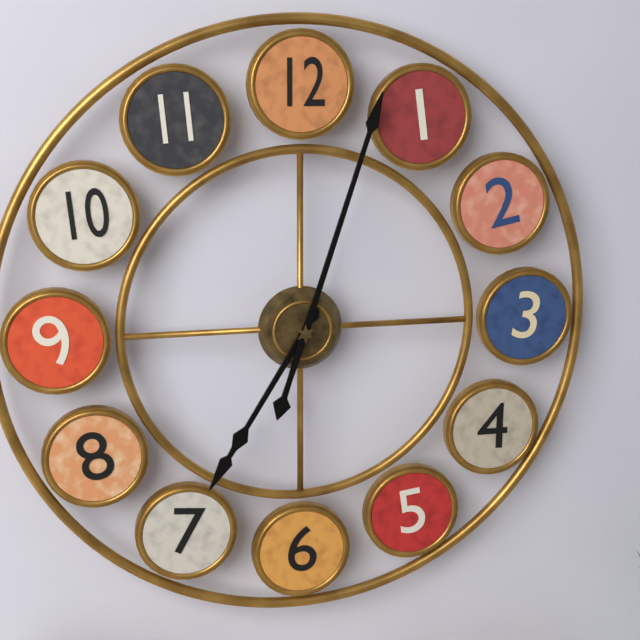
7:03
